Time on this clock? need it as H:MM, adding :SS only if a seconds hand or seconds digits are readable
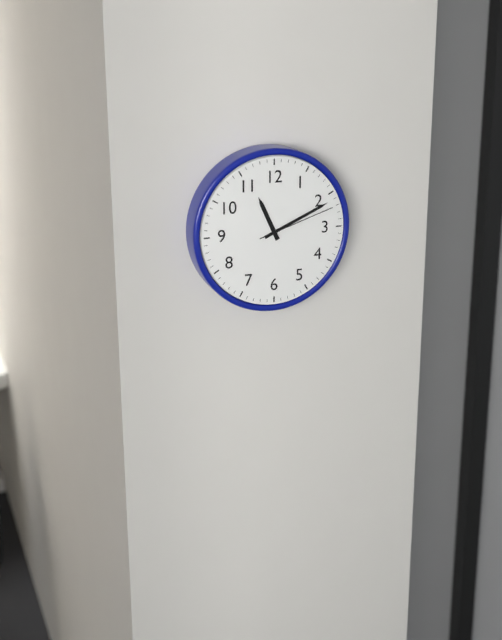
11:11:12
